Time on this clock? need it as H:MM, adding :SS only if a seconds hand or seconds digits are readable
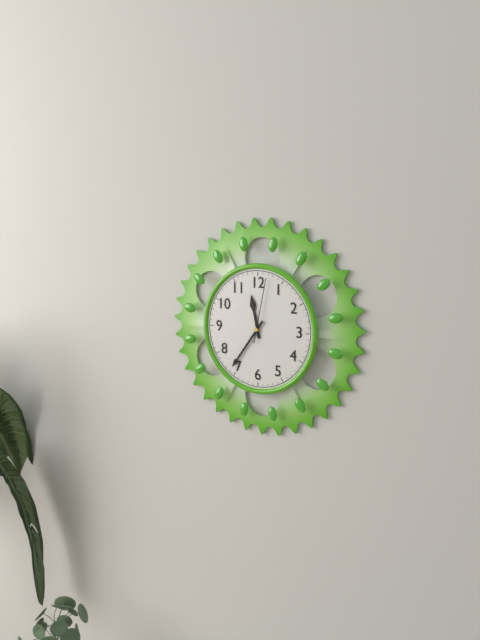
11:36:02
